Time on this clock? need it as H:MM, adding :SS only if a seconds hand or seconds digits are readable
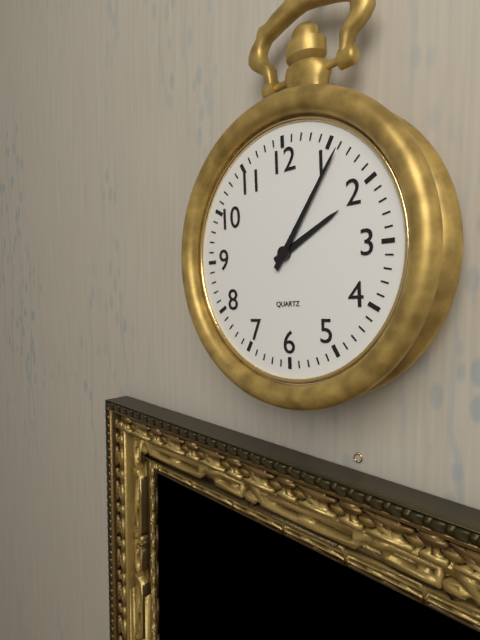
2:06
